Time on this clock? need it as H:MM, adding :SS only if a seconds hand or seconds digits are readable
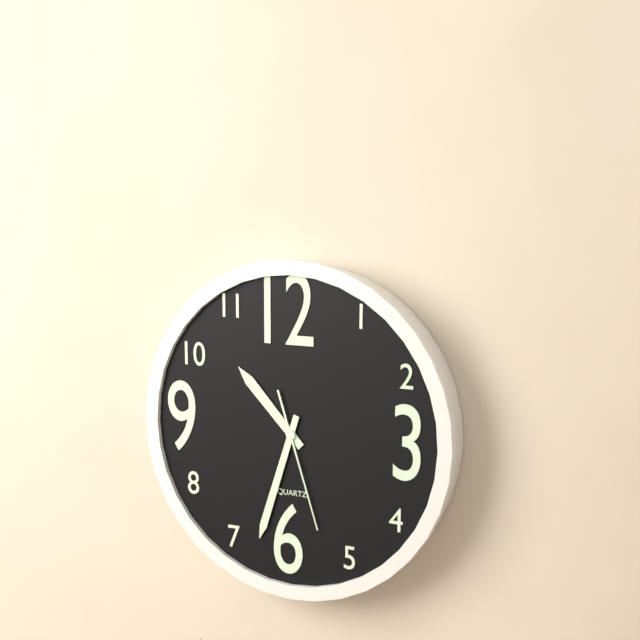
10:33:27
